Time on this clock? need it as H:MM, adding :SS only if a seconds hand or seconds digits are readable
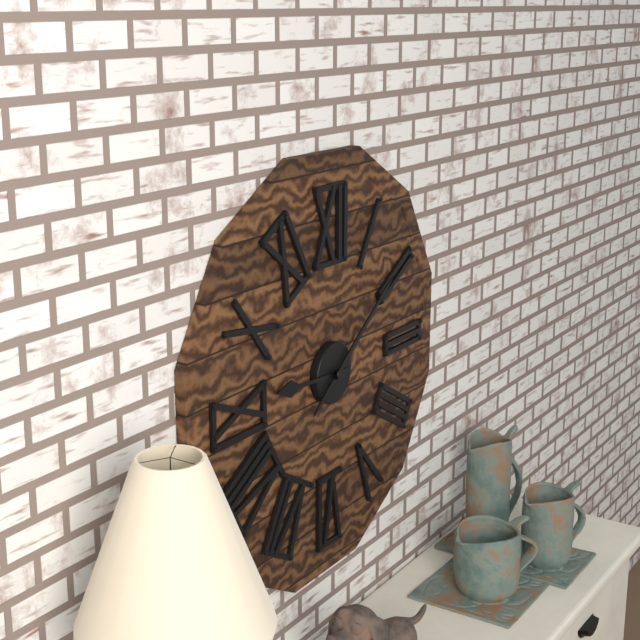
9:09
